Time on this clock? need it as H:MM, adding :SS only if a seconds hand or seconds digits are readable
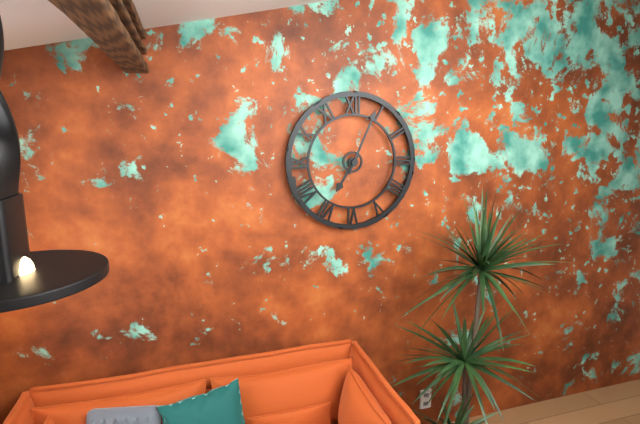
7:04
